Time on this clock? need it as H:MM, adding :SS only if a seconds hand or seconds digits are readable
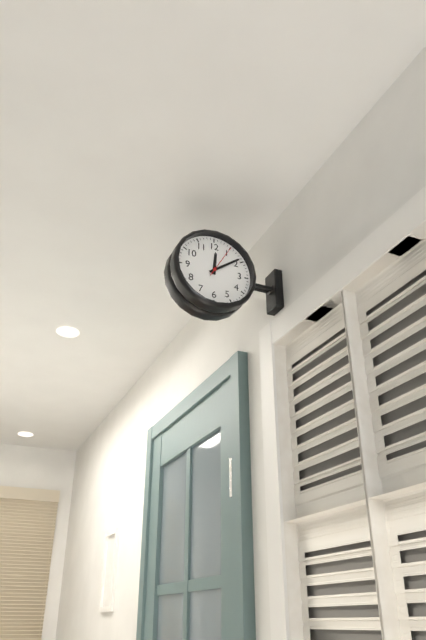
12:09
